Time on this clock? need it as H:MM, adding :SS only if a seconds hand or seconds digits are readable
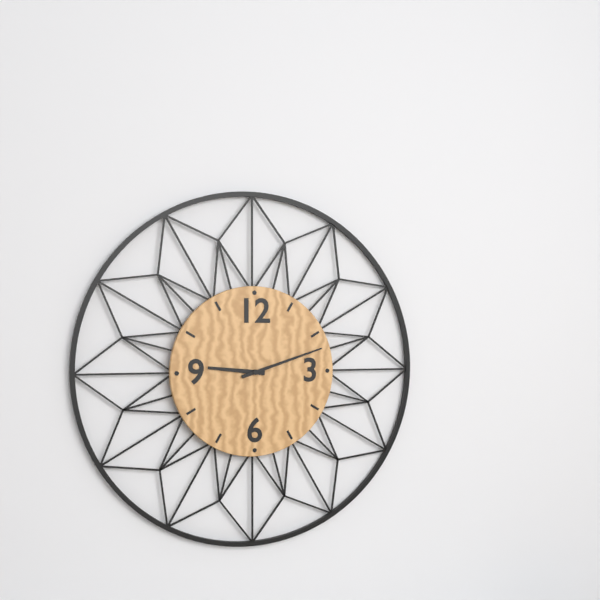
9:12
